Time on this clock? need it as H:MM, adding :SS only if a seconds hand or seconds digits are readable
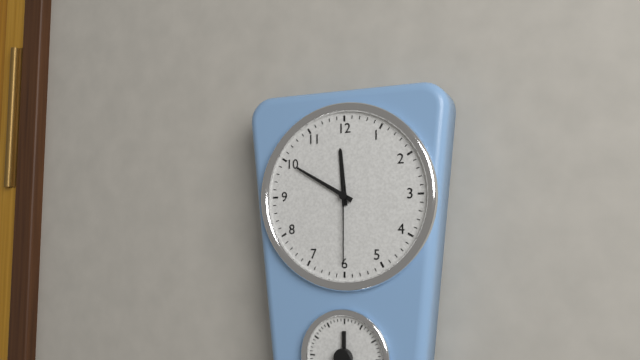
11:50:30
